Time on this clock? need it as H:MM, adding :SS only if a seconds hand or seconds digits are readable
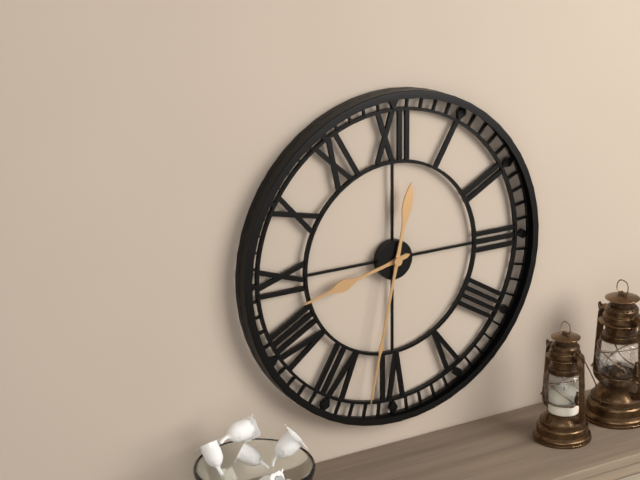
8:32
